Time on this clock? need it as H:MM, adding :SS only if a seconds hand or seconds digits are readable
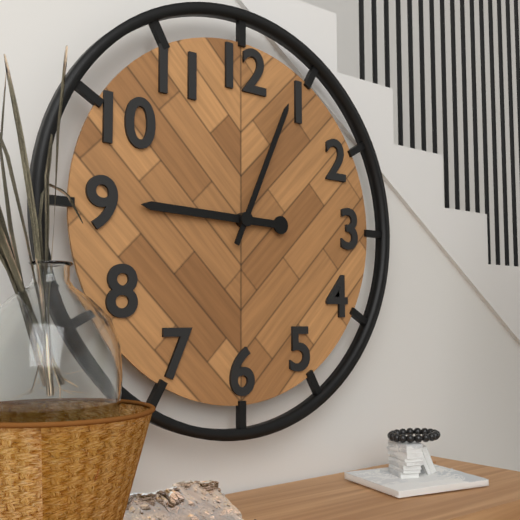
9:04
